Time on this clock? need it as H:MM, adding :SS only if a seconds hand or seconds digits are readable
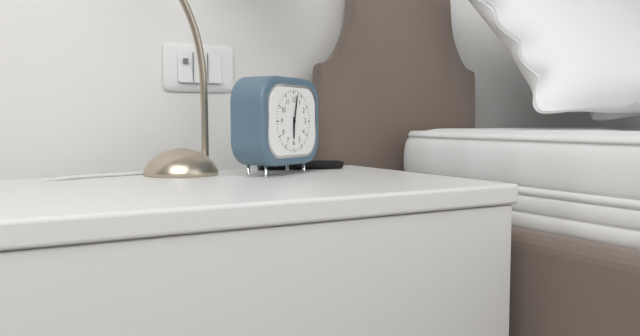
6:02
